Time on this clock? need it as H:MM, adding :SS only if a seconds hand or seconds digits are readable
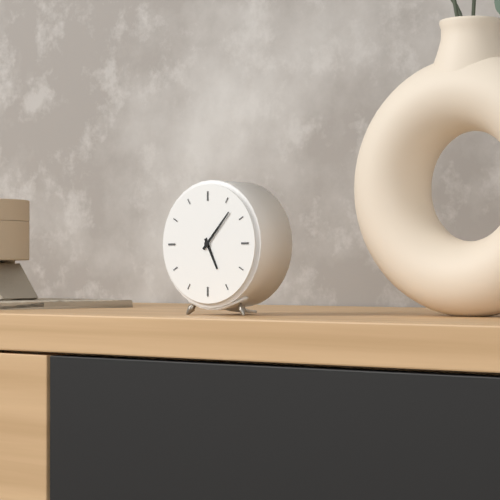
5:07
